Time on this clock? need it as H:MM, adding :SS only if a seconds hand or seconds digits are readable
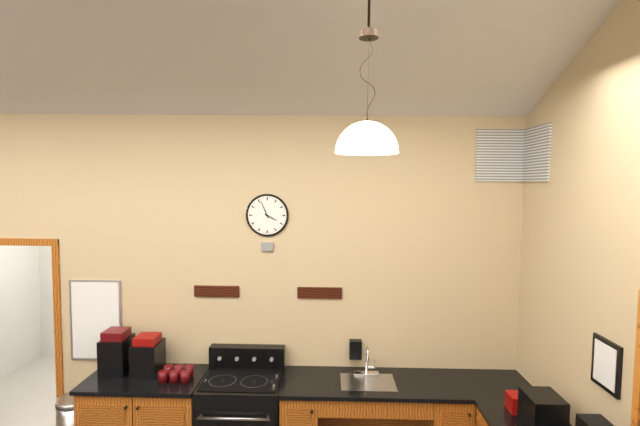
3:56
